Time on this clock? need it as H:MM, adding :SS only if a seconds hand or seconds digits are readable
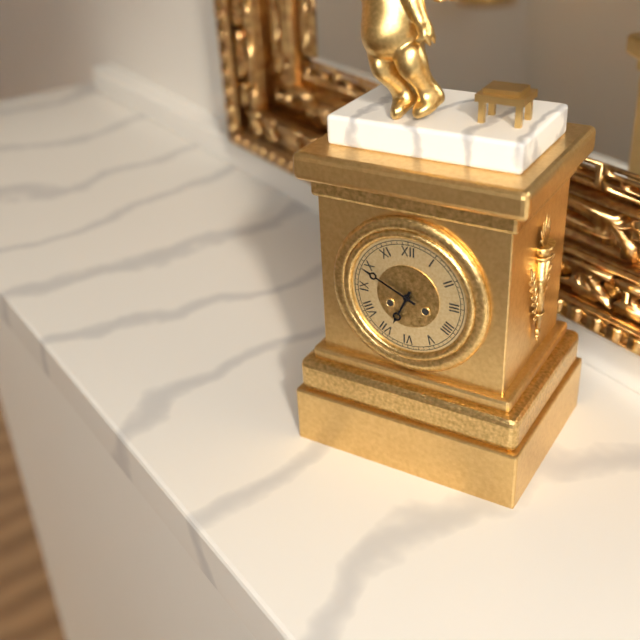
6:49
